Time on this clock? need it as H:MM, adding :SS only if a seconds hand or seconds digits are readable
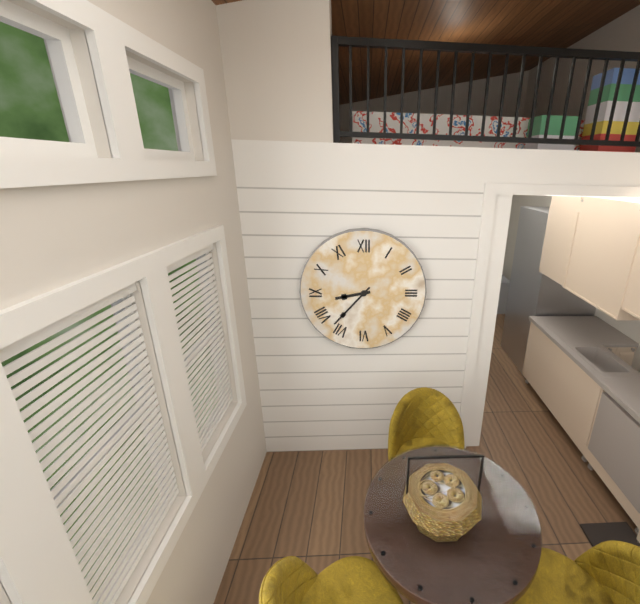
8:37
